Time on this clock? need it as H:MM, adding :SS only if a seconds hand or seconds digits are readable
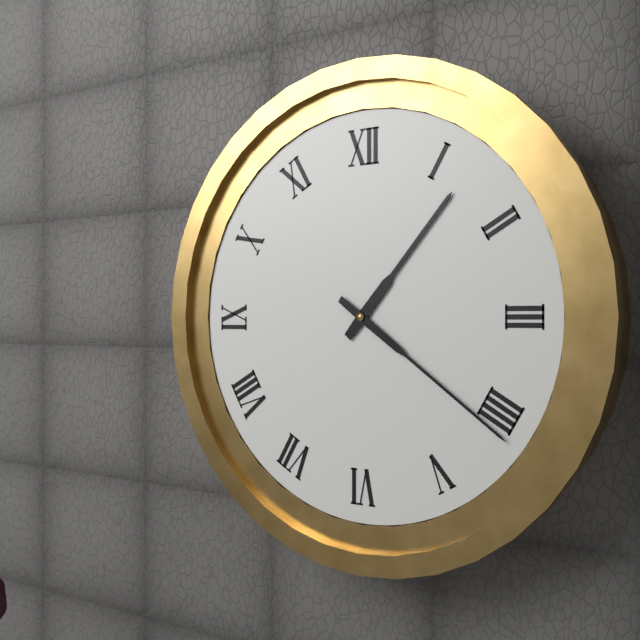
1:21
